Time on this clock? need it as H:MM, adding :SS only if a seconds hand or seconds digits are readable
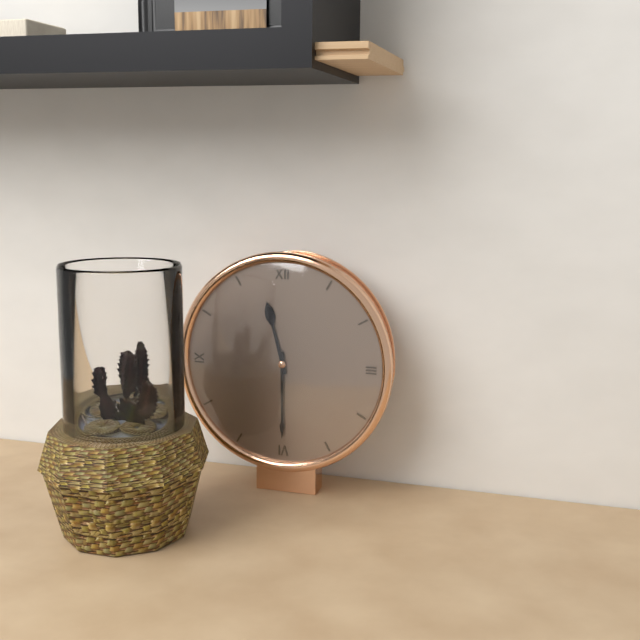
11:30
